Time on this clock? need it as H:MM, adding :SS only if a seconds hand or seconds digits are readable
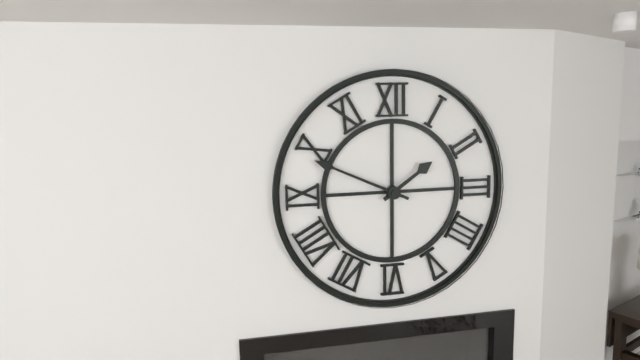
1:49
